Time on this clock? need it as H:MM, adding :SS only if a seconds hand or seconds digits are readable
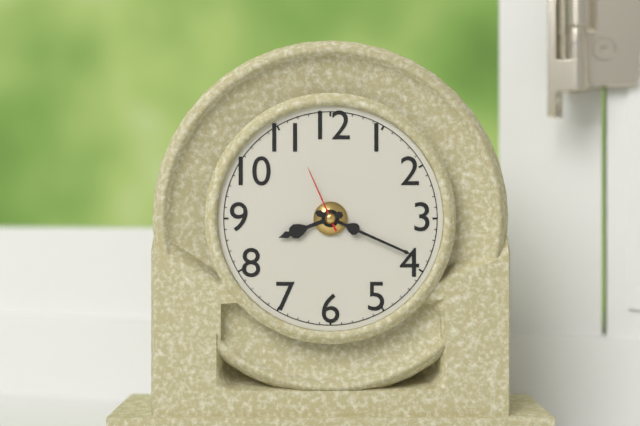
8:19:56
